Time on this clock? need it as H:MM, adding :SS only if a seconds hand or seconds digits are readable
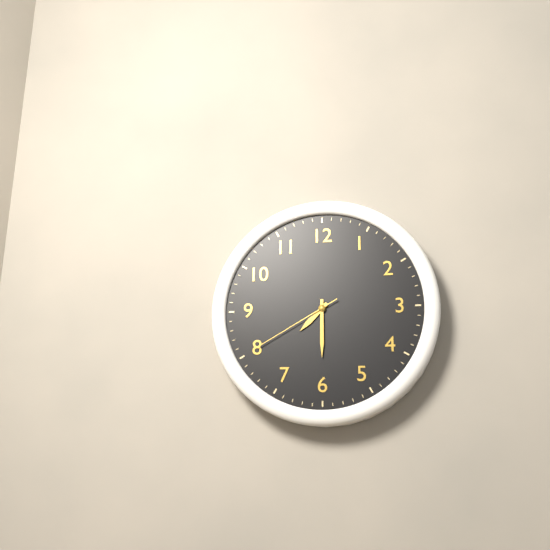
7:30:40
